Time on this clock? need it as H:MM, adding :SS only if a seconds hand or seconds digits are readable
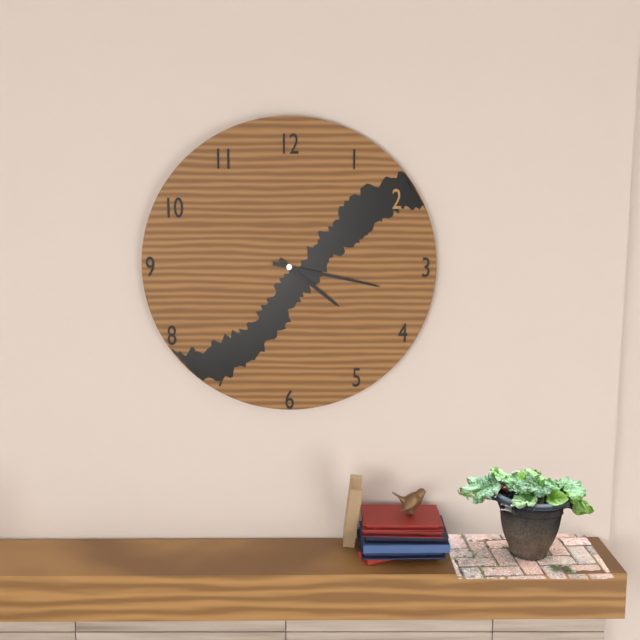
4:17
